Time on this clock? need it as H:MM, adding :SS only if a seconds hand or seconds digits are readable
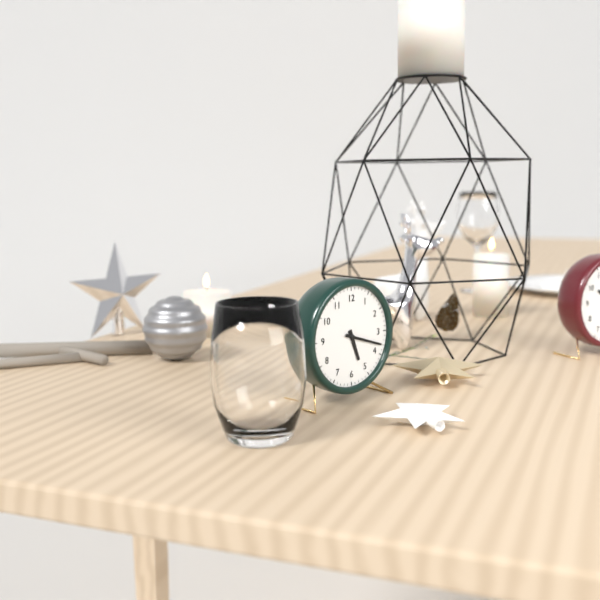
5:18
